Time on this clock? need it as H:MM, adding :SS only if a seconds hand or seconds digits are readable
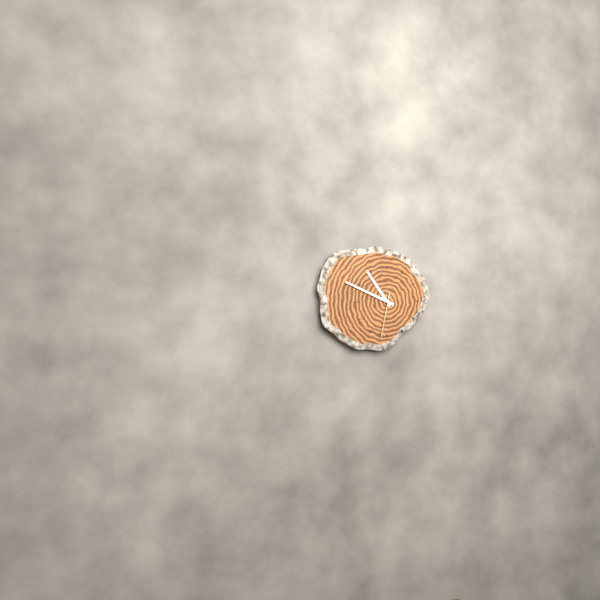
10:49
